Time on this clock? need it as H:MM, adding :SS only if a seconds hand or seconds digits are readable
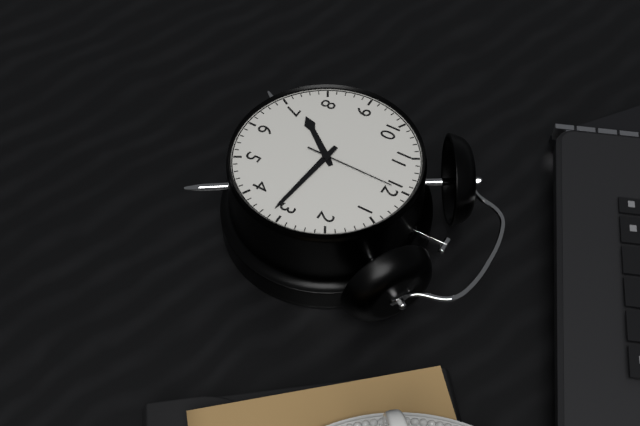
7:16:00
